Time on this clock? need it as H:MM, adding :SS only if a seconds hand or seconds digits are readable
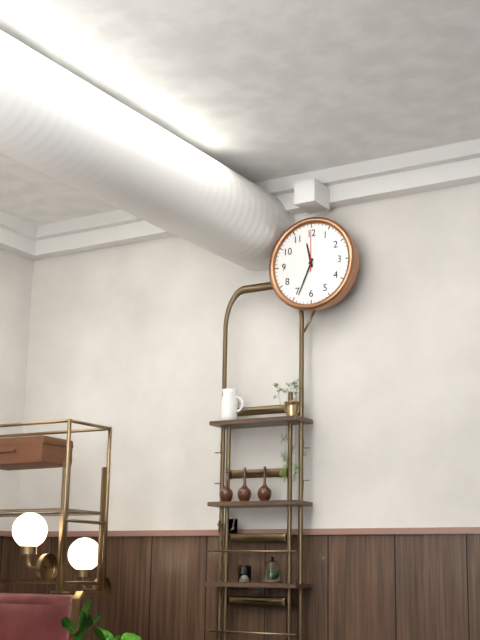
11:34
